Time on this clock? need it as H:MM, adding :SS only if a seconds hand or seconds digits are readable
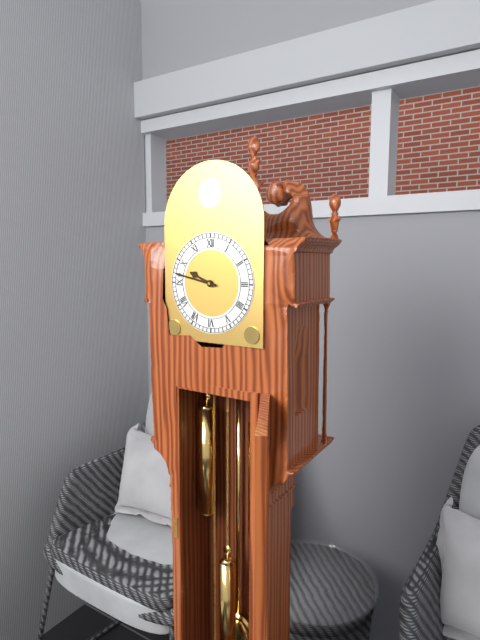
9:47
